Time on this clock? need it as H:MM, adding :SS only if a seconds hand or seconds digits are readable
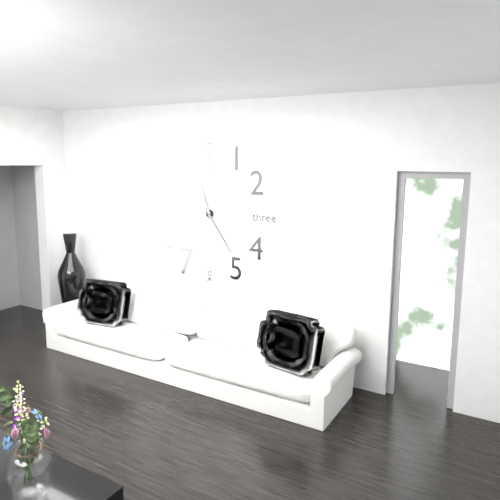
11:24
